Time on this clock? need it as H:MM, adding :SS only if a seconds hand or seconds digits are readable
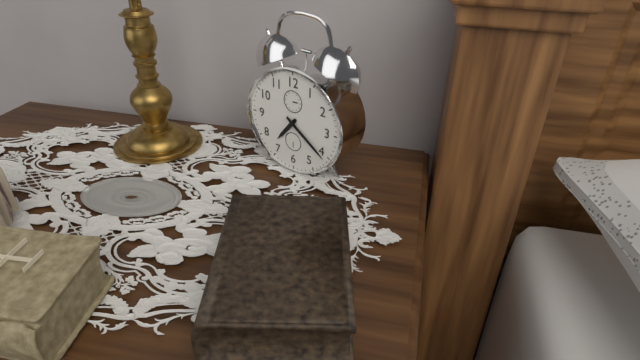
7:21
